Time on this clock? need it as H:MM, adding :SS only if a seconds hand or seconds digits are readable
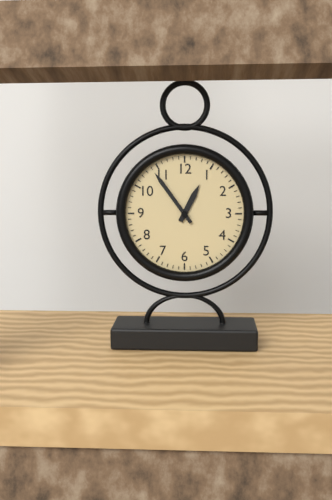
12:54
